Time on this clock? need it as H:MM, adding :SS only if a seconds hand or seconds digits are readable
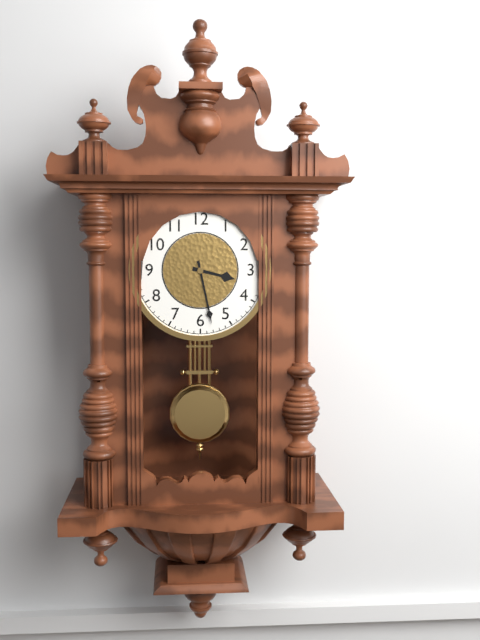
3:28
